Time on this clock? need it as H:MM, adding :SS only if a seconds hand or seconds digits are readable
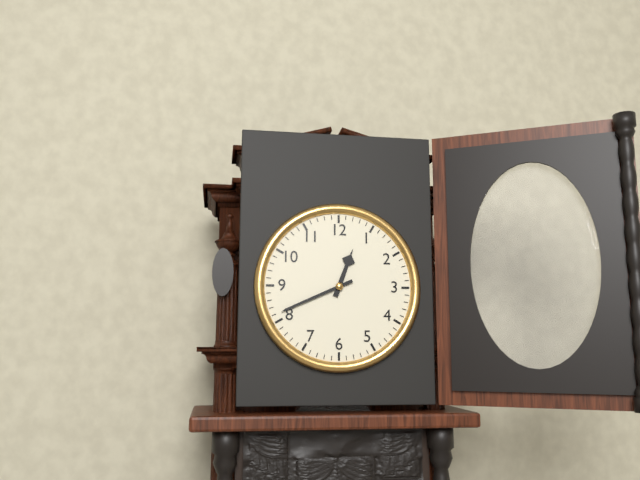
12:41
